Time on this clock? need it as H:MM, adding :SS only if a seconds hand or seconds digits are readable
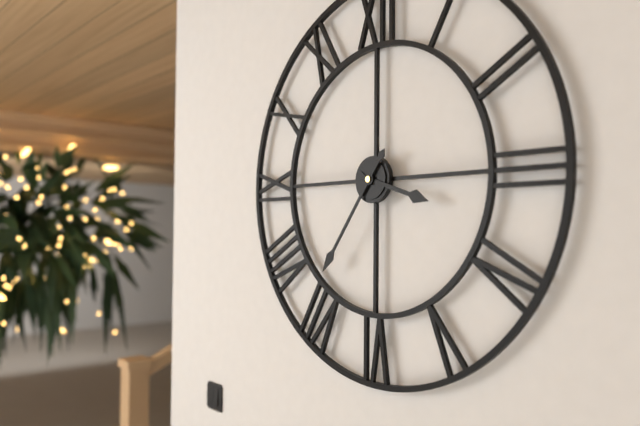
3:36
